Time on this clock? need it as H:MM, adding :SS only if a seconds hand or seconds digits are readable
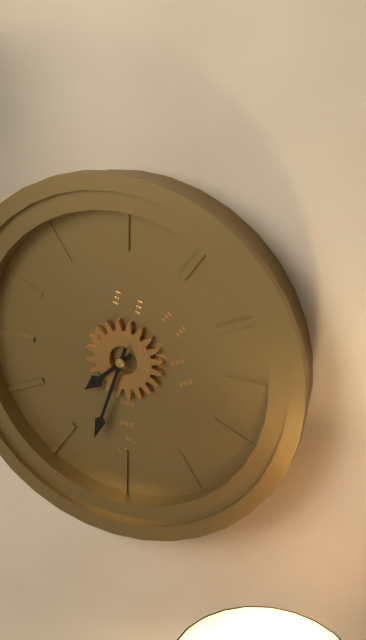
7:33
